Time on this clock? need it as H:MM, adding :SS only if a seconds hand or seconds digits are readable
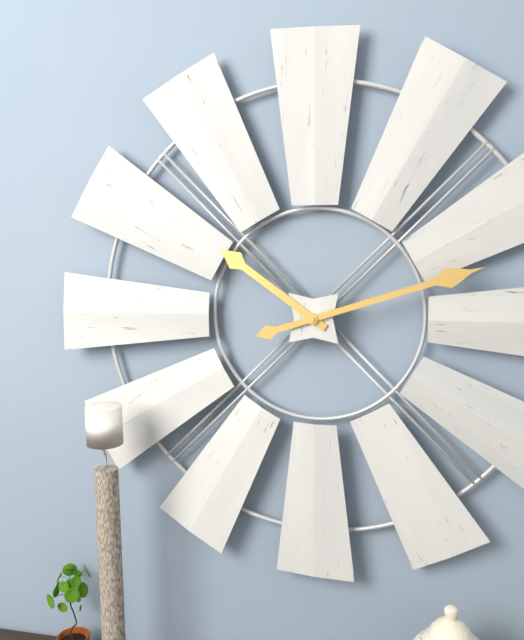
10:12
